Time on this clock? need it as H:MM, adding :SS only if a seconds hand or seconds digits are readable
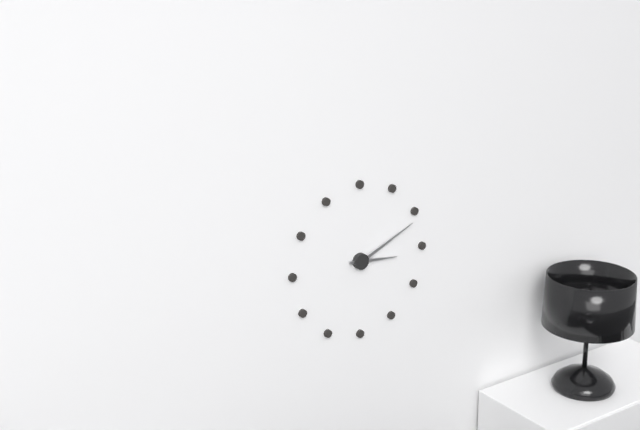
3:11
